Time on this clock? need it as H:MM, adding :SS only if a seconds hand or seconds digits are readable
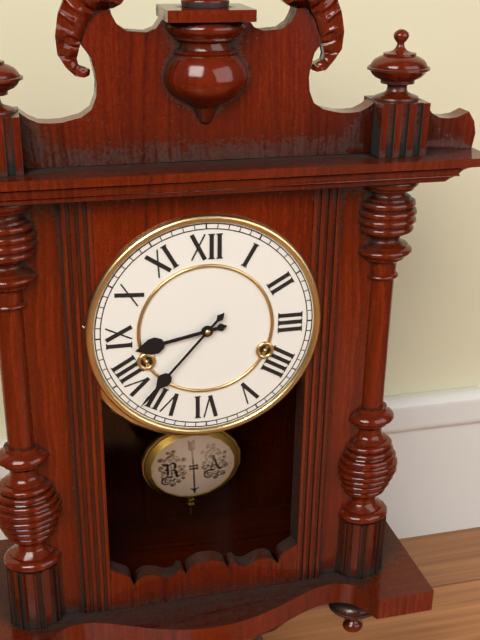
8:37
